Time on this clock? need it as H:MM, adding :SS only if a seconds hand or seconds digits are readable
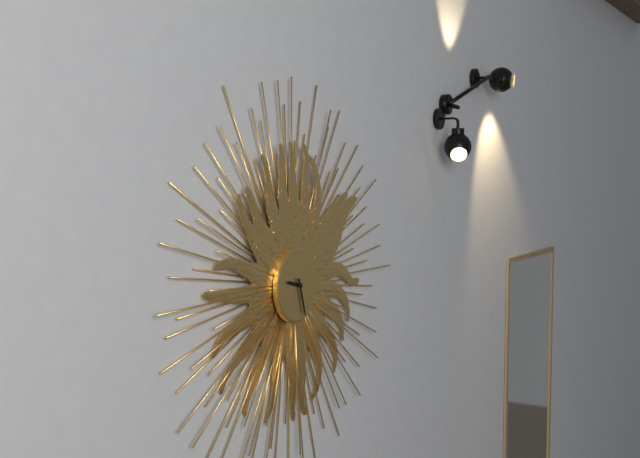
9:27
